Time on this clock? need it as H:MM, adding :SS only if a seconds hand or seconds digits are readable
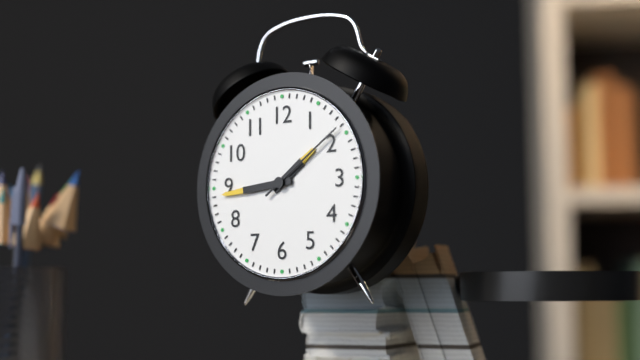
1:44:09
